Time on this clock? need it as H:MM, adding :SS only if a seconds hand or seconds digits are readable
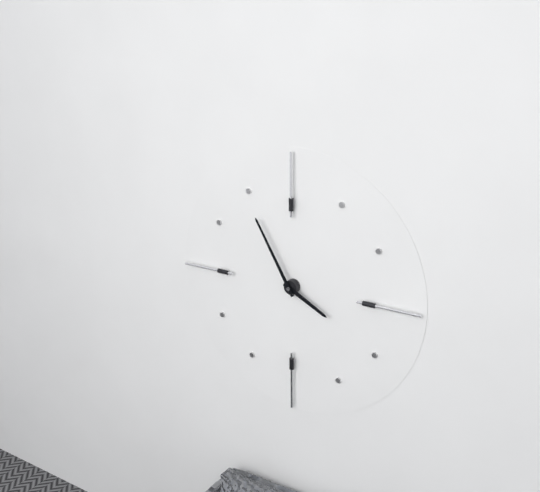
3:55
